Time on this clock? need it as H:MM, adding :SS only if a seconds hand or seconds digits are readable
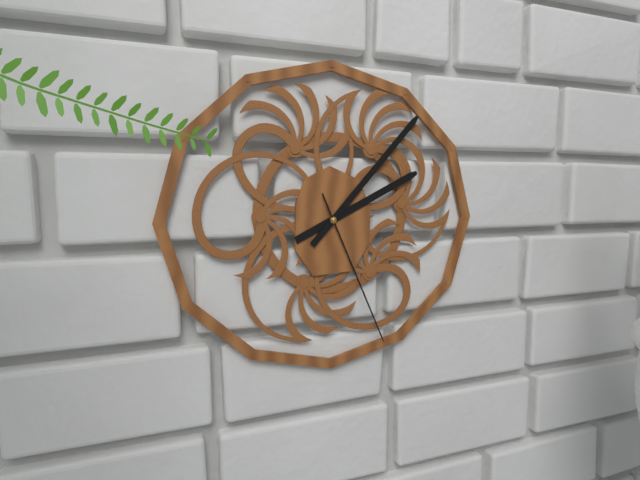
2:07:26
